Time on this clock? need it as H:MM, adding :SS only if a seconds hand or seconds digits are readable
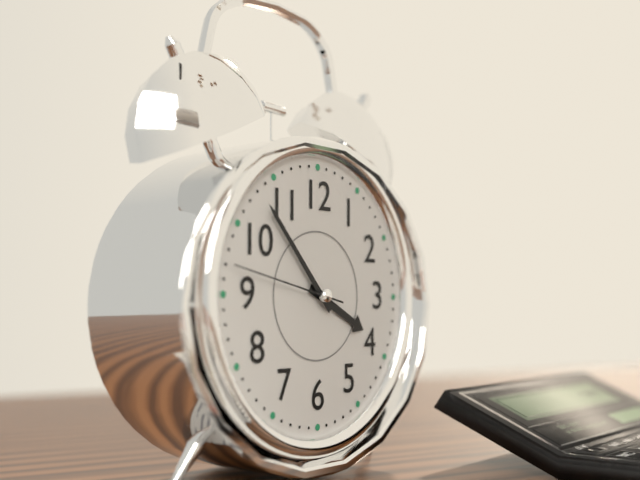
3:53:47
